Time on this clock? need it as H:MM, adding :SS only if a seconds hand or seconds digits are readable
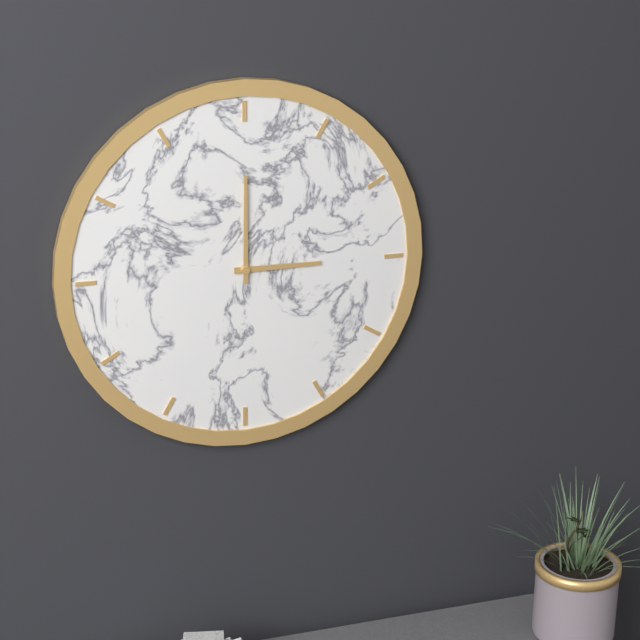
3:00
